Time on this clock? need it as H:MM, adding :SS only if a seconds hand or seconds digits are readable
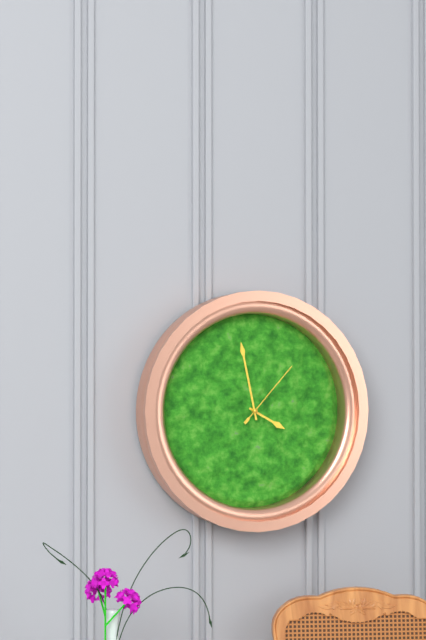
3:58:07
